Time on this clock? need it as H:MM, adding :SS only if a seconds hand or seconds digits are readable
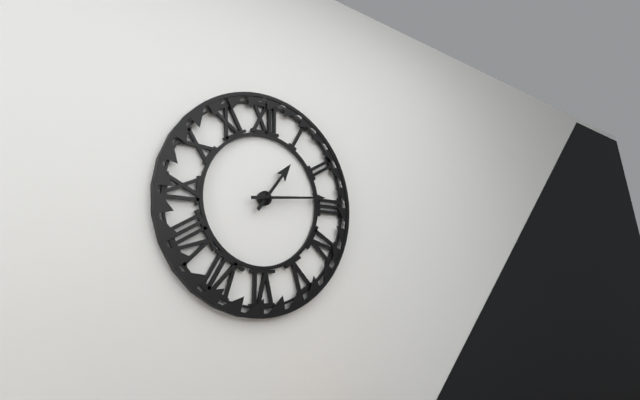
1:14
